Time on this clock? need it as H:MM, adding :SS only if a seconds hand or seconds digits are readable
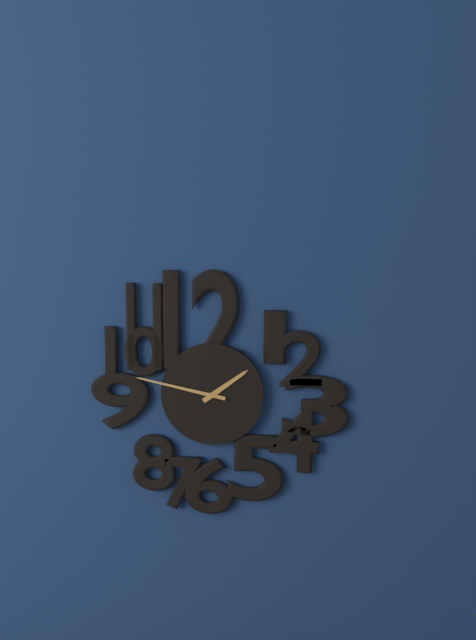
1:47
